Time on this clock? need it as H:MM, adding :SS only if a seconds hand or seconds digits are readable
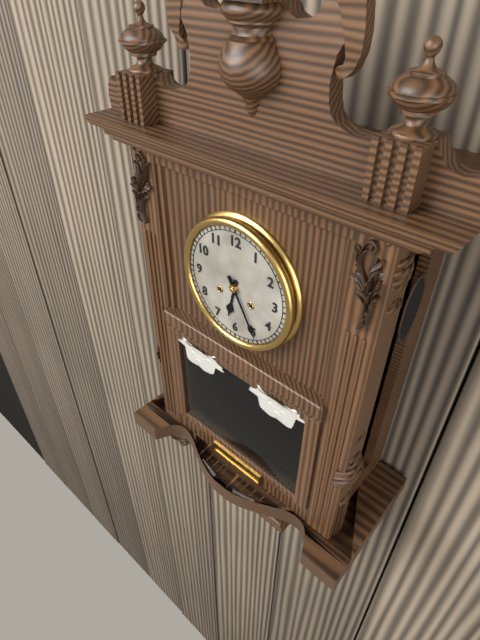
6:25
